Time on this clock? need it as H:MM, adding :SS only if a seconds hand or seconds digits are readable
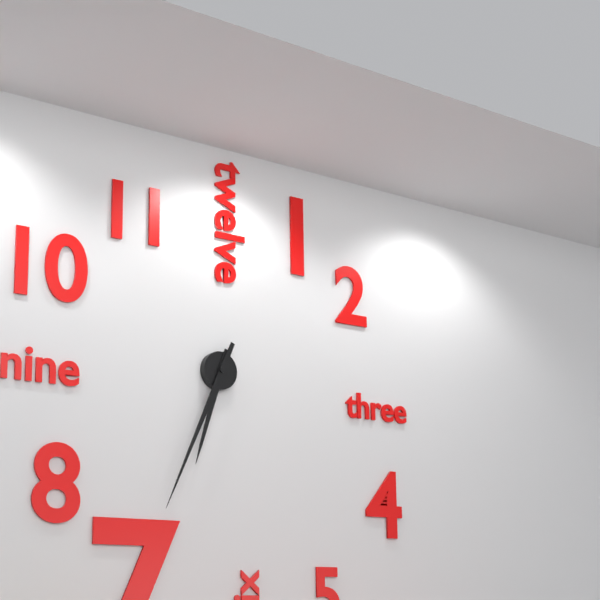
6:34
